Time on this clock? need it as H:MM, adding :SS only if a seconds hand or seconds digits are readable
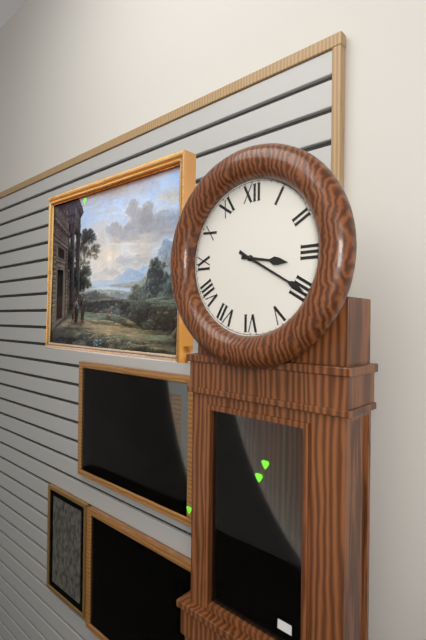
3:20
